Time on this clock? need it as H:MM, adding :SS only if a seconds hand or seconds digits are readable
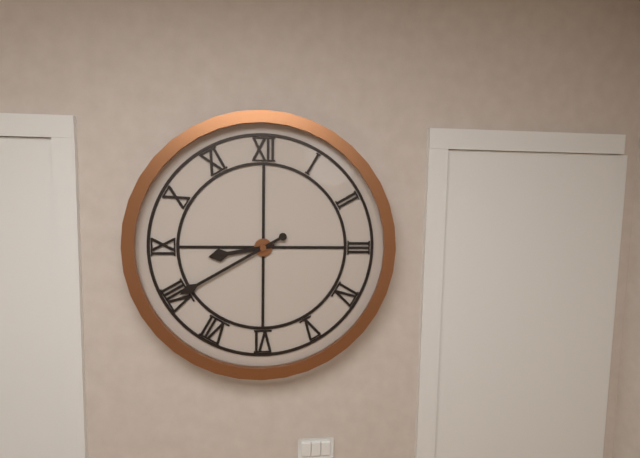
8:40
